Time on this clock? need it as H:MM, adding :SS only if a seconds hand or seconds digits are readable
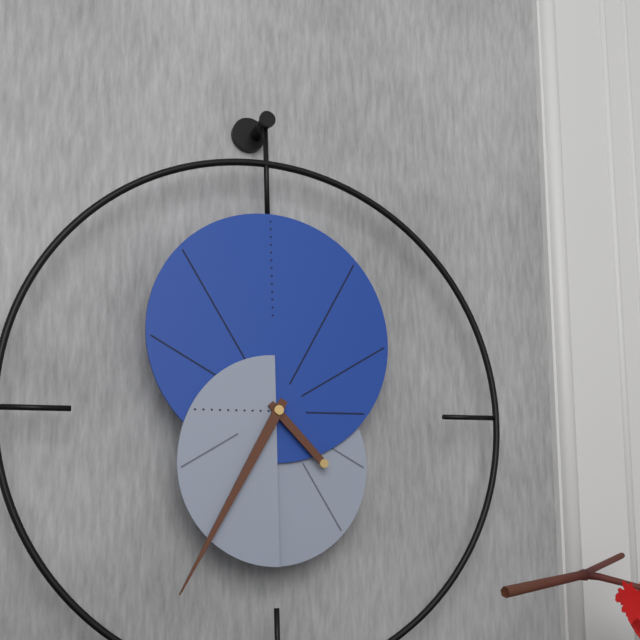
4:35
